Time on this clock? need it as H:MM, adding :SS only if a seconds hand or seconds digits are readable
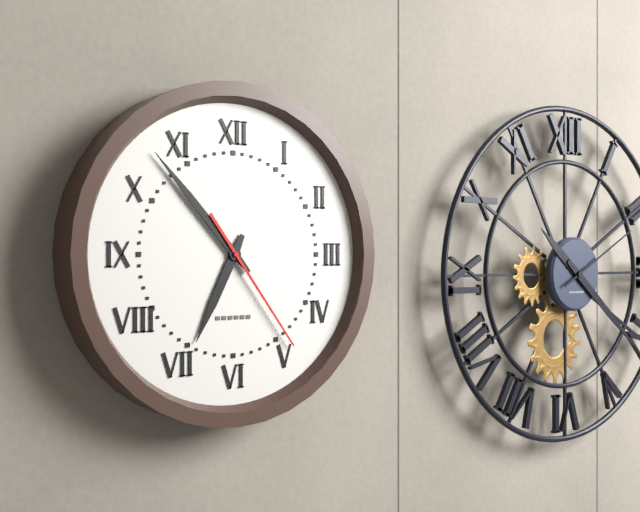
6:53:24
